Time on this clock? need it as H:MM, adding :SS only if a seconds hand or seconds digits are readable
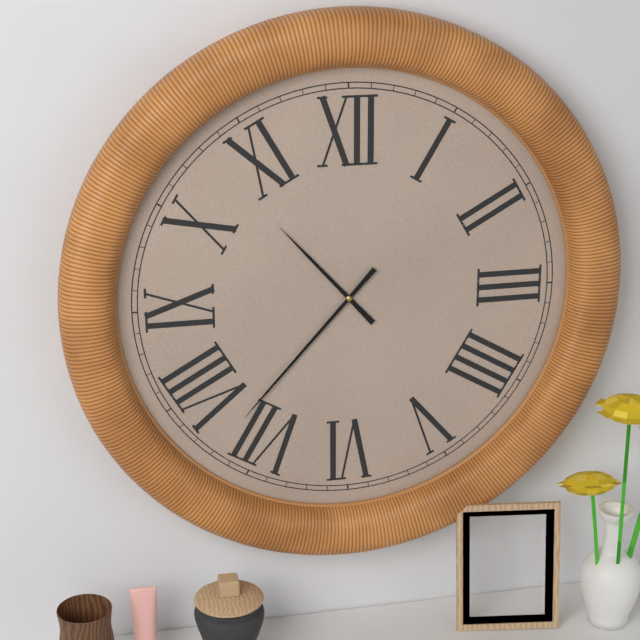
10:37
